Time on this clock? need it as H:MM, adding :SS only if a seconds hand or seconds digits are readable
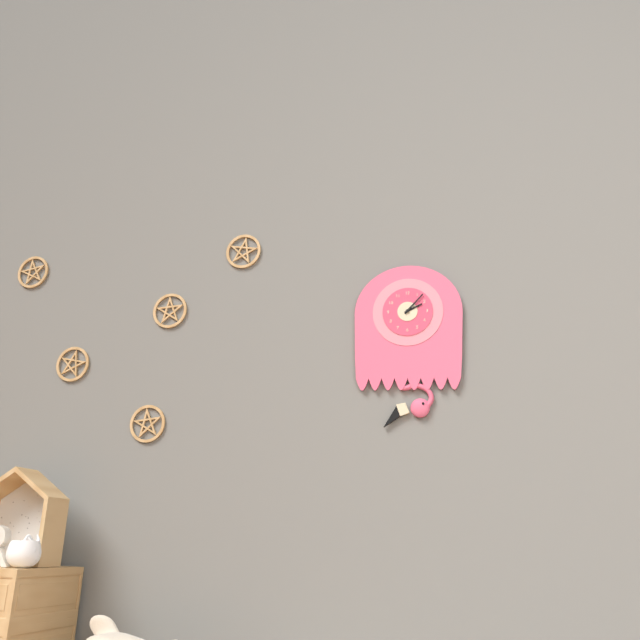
2:07
